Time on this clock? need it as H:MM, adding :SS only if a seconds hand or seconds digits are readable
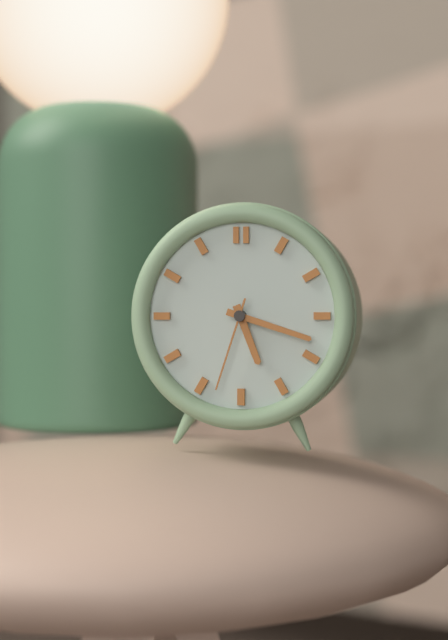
5:18:33
